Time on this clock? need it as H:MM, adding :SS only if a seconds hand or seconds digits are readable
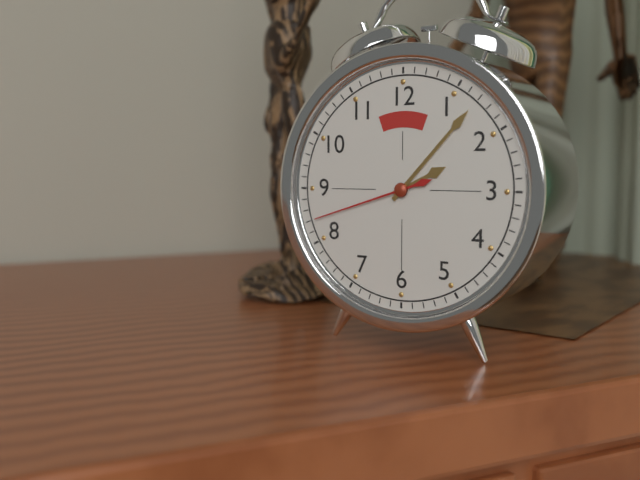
2:07:42
